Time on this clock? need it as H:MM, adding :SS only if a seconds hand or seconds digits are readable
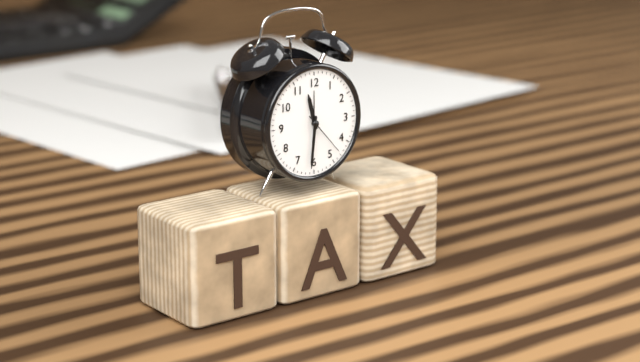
11:31
